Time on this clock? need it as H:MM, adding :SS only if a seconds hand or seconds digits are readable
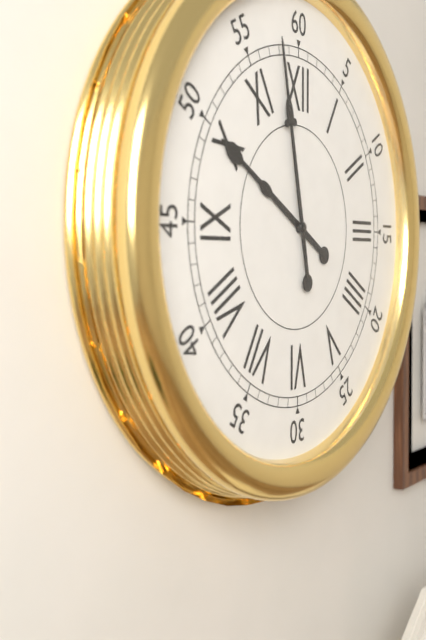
9:58
